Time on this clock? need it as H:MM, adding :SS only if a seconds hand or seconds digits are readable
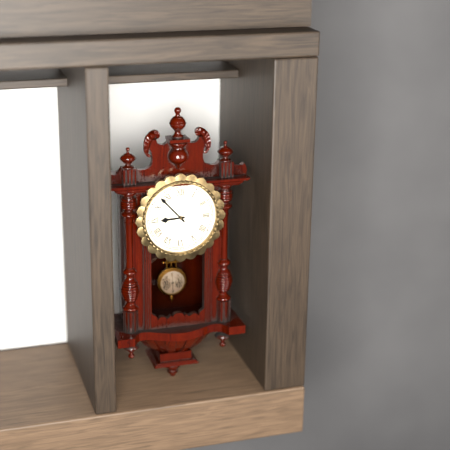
8:53
